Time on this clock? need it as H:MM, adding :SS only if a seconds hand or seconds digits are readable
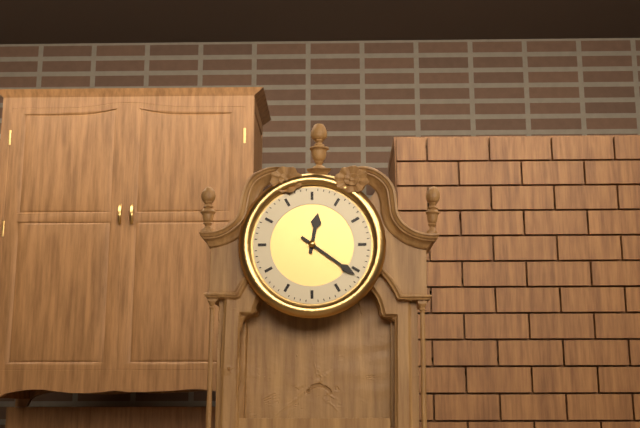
12:21
